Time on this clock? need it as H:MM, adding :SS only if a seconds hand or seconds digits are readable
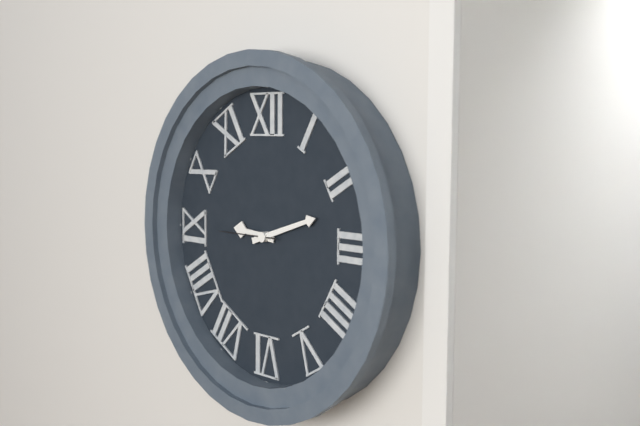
9:12:45
